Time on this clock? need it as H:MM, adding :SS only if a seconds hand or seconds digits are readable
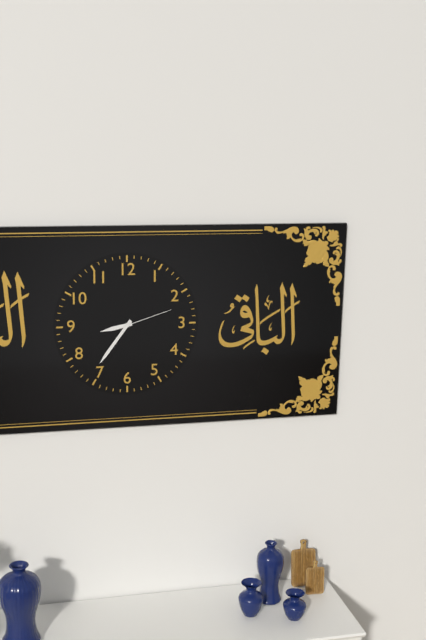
8:36:12
